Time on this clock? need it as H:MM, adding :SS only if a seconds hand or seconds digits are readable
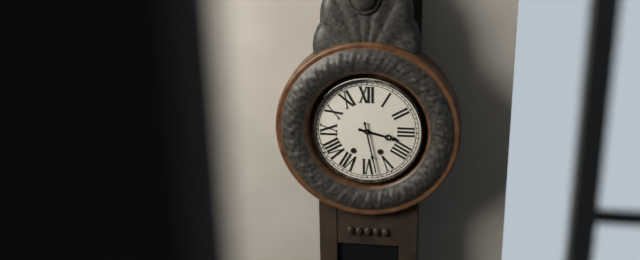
3:28
